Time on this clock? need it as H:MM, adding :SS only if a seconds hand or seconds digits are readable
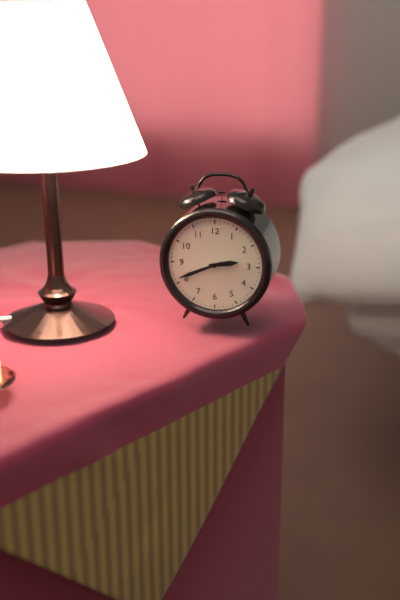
2:41
